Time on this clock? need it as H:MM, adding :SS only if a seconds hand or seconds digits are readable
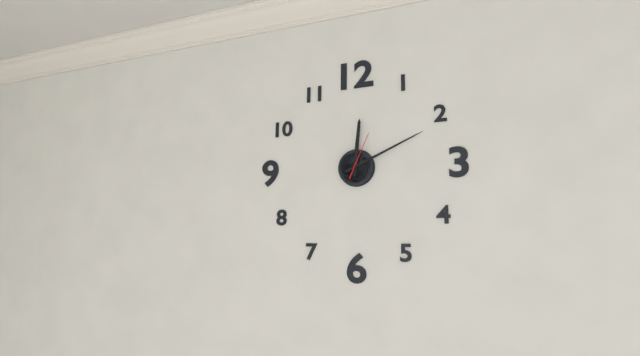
12:11
